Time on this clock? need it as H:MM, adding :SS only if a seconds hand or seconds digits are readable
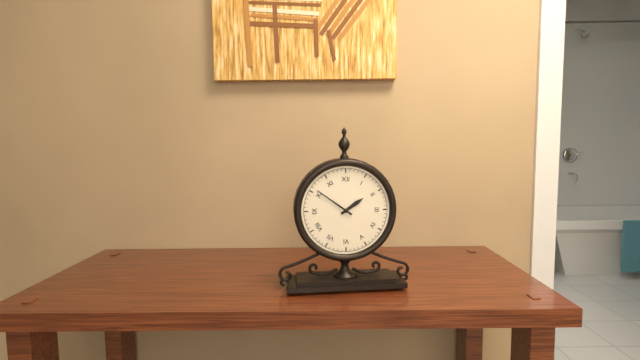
1:51
